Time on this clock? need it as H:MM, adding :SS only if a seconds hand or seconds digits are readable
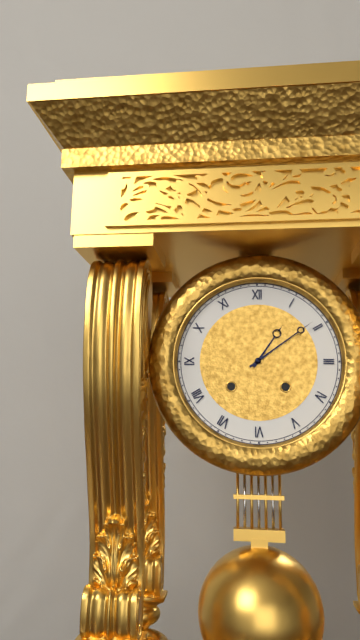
1:09
